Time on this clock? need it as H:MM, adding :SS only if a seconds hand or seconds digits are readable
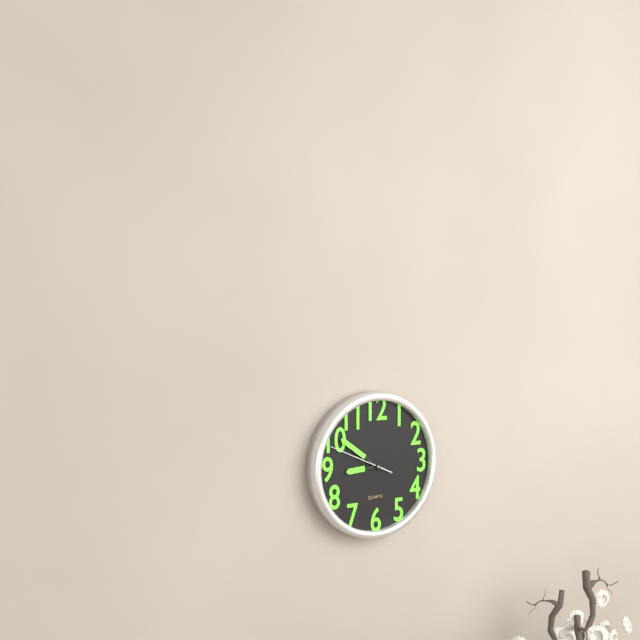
8:51:49
